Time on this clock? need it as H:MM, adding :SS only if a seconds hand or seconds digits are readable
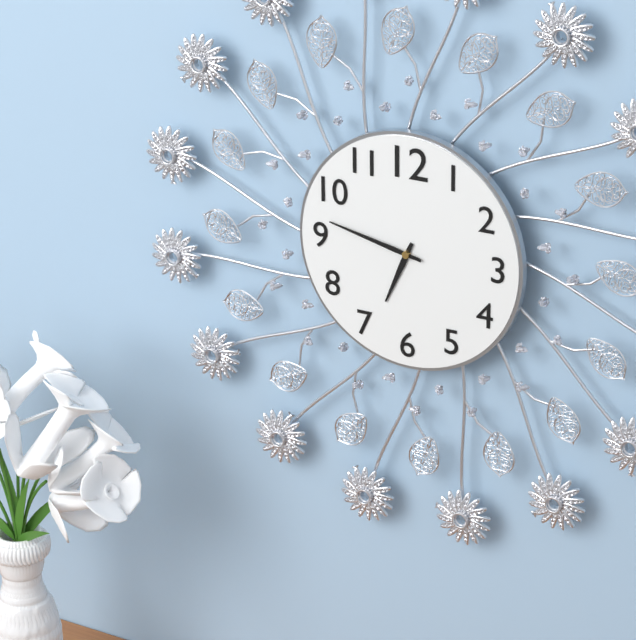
6:47
